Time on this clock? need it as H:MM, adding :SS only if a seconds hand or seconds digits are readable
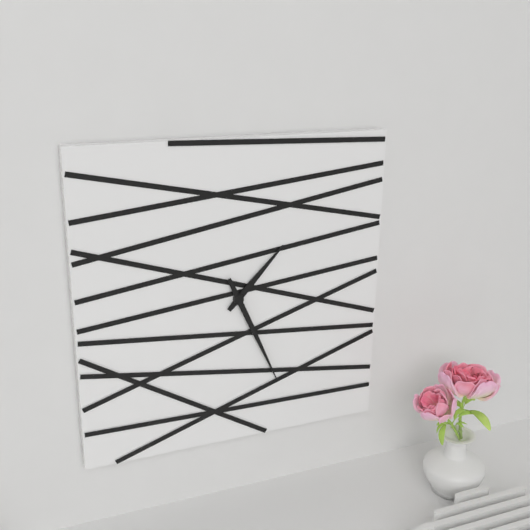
1:26
